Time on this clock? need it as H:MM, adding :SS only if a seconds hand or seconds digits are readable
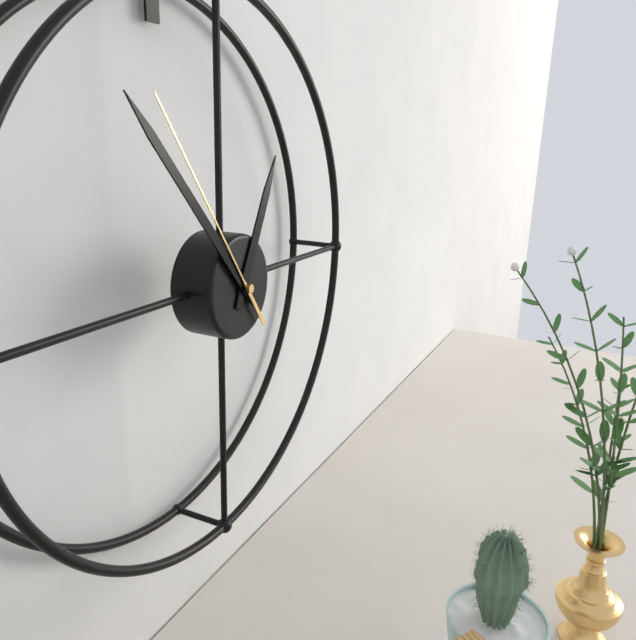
12:53:54
